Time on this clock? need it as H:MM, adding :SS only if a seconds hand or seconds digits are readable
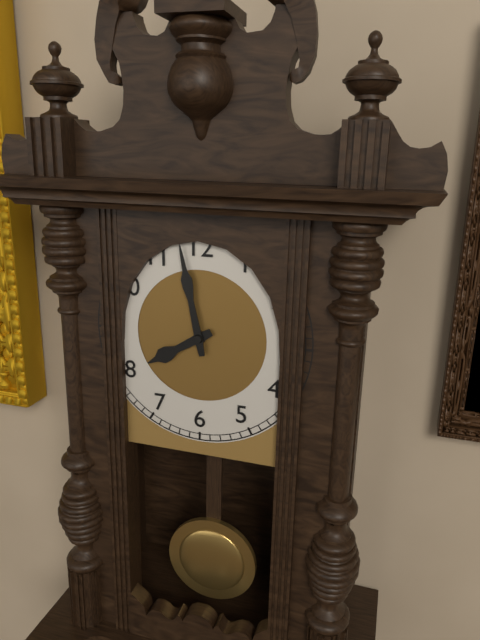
7:58
